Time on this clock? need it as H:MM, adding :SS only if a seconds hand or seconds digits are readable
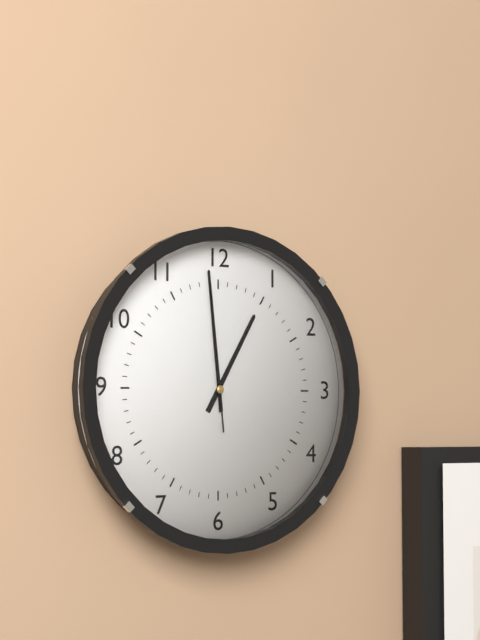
12:59:59
